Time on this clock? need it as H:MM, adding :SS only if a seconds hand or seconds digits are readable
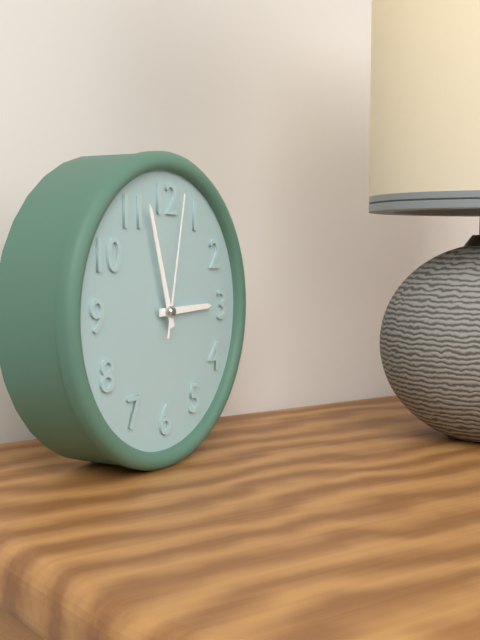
2:57:02
